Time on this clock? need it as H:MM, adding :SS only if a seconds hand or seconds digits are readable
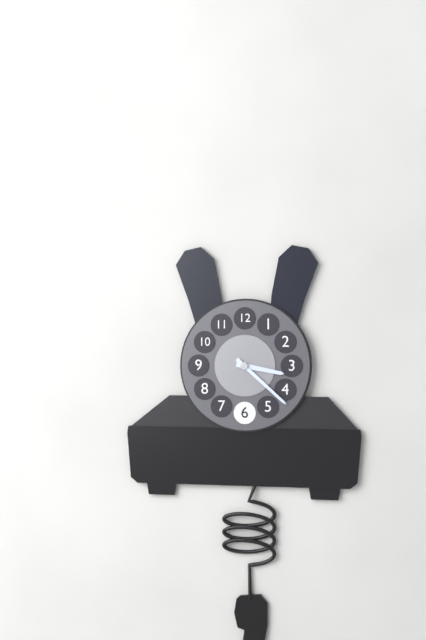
3:22
